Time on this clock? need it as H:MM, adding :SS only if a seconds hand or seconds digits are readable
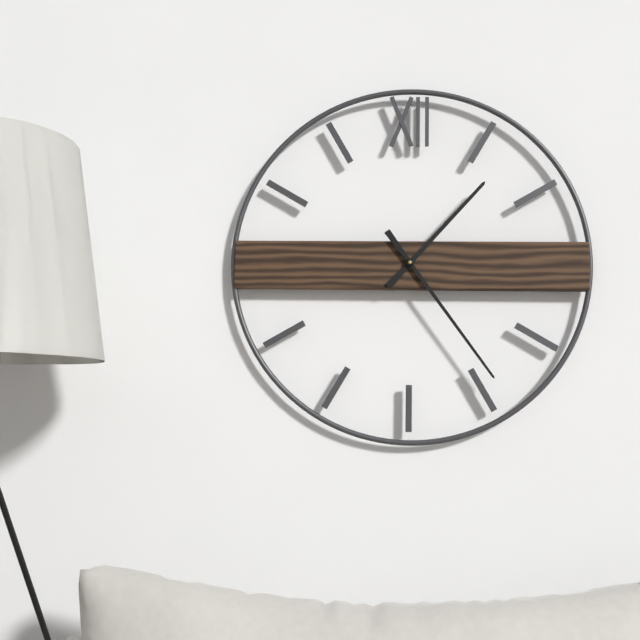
1:24
